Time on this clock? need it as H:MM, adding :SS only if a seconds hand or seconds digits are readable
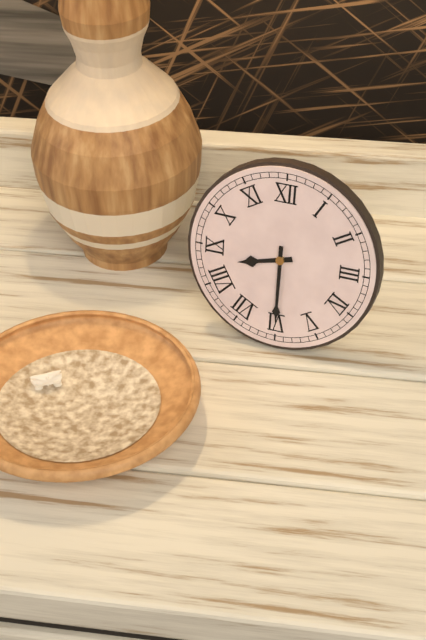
8:30
